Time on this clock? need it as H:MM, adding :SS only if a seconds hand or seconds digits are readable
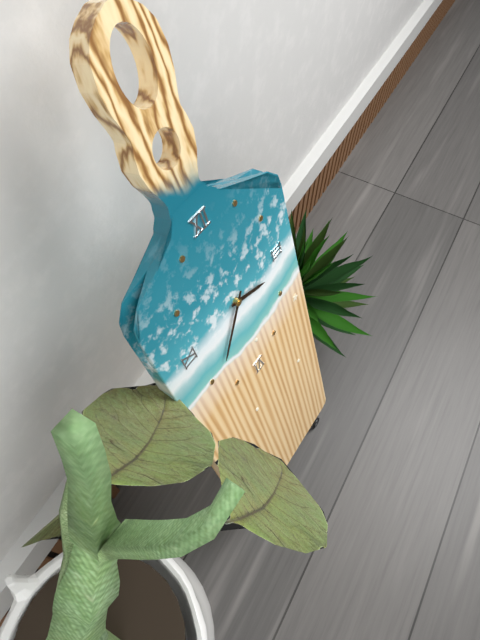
3:37
